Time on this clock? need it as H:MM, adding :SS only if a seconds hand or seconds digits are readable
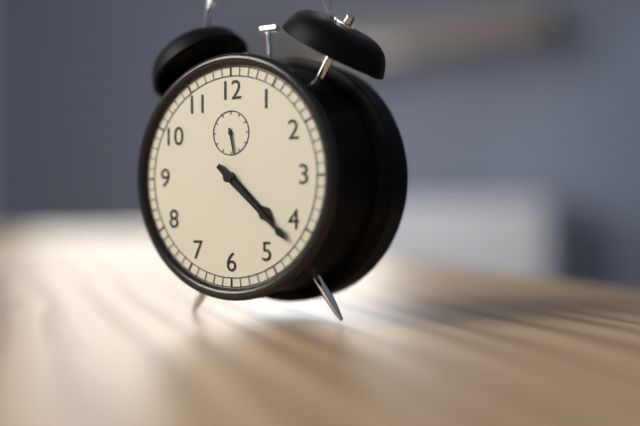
4:22
